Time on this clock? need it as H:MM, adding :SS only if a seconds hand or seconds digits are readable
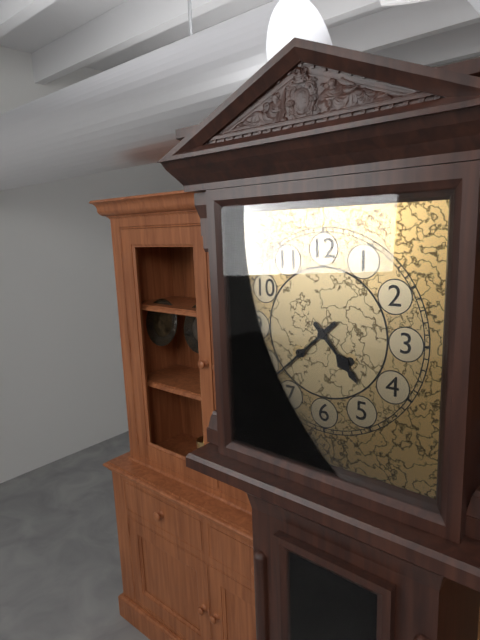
4:38
